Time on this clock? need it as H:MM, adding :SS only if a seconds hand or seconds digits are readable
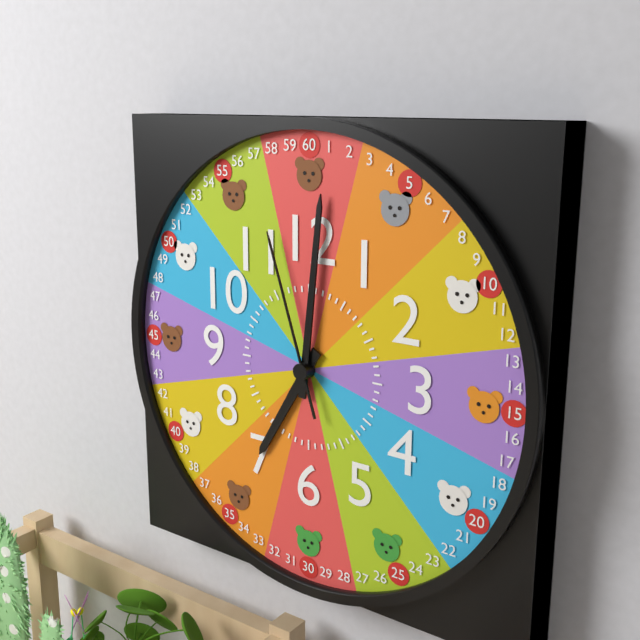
7:01:57
